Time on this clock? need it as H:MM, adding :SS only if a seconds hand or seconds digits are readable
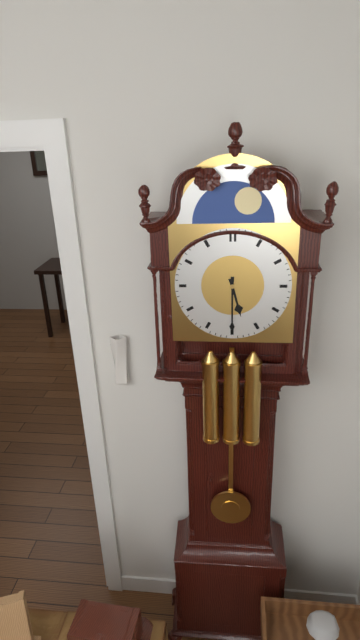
5:30
